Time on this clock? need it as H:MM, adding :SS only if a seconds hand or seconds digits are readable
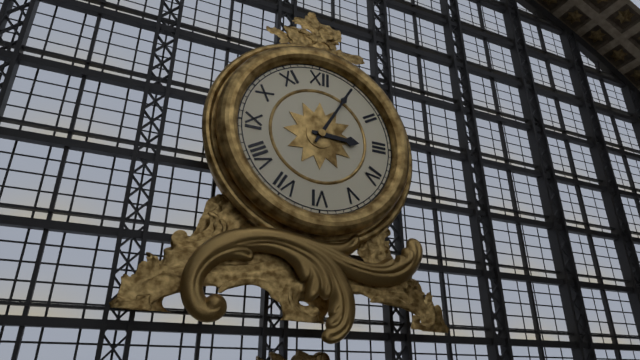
3:05
